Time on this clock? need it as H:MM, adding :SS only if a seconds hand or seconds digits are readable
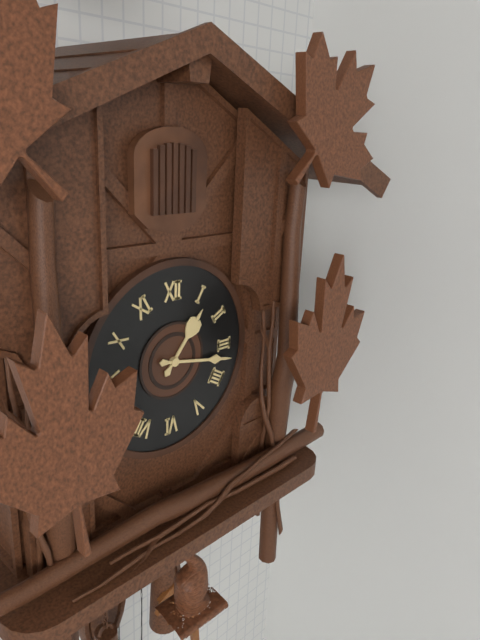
1:17
